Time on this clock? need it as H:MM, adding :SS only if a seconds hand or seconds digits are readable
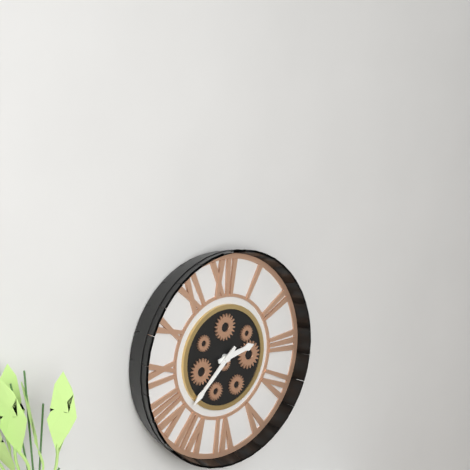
2:38
